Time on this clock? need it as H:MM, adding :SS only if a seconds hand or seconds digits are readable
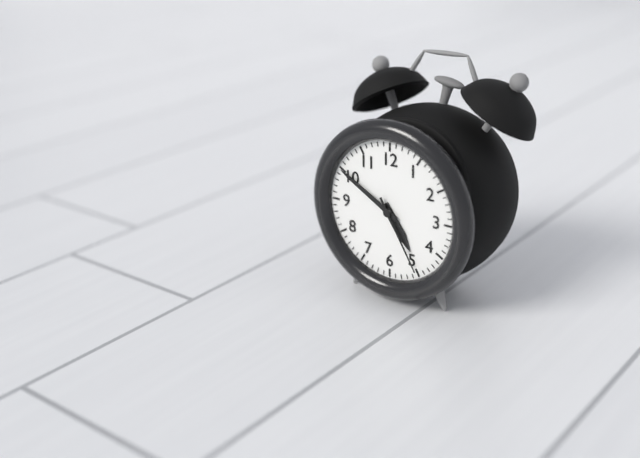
4:50:25
